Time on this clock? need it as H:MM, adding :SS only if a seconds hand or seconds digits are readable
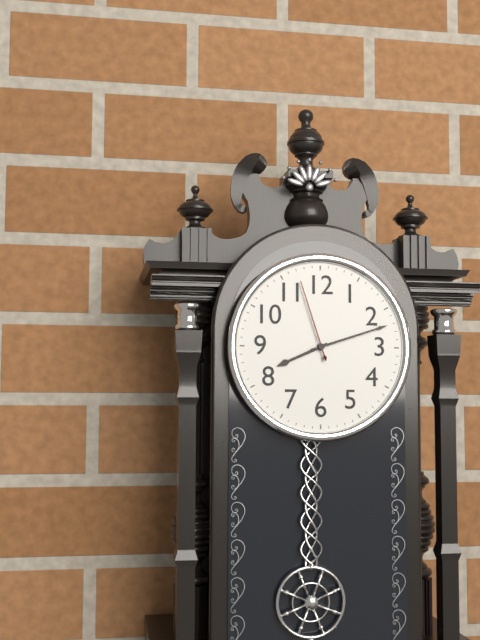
8:12:57
